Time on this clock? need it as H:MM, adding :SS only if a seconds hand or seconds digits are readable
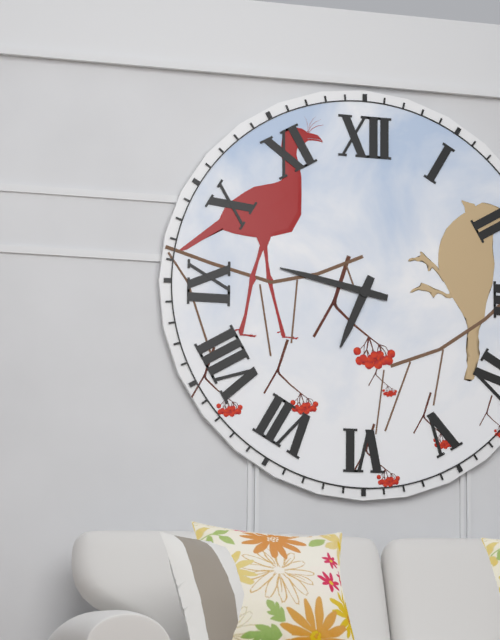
6:47
